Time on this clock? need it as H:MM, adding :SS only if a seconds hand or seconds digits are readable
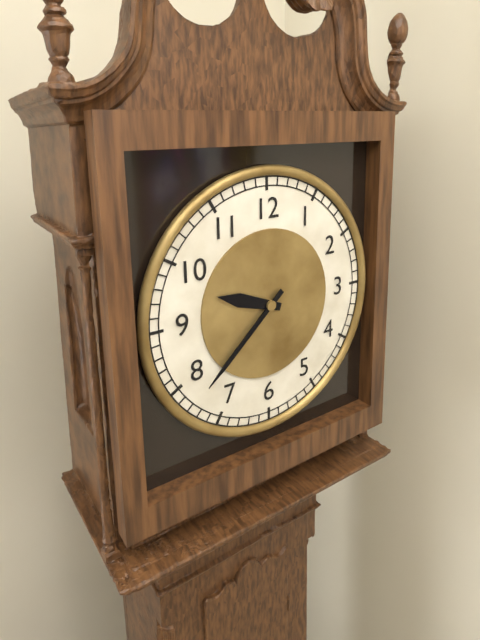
9:38
